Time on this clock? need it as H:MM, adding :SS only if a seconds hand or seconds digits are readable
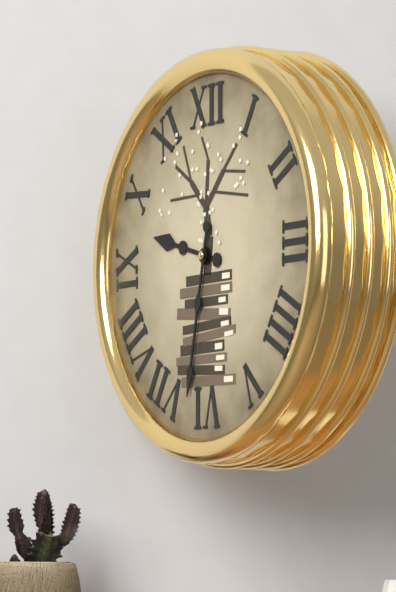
9:32
